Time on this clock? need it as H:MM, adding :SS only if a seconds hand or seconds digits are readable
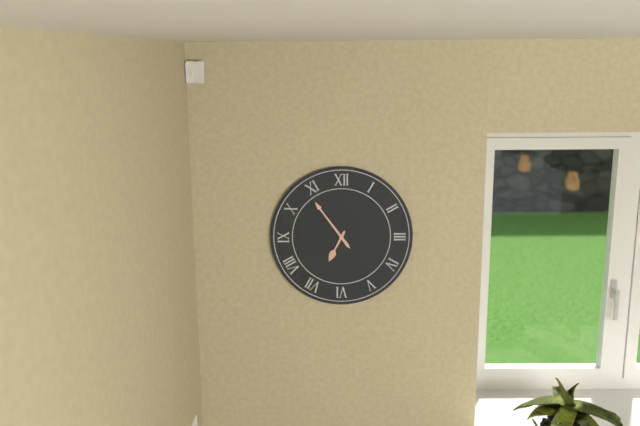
6:54
